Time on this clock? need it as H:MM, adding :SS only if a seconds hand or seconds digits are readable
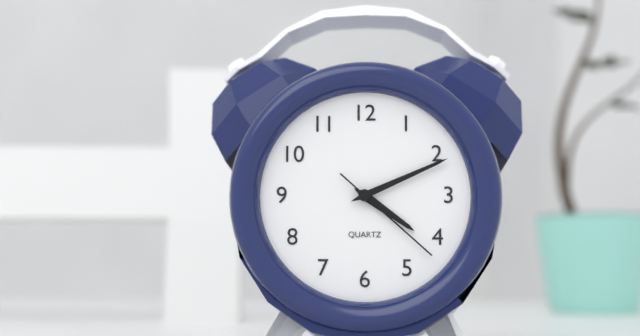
4:11:22
